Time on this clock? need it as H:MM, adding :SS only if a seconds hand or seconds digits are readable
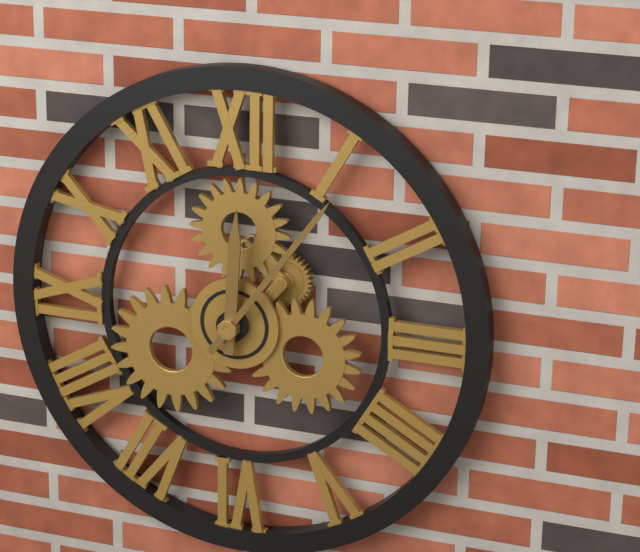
12:06
